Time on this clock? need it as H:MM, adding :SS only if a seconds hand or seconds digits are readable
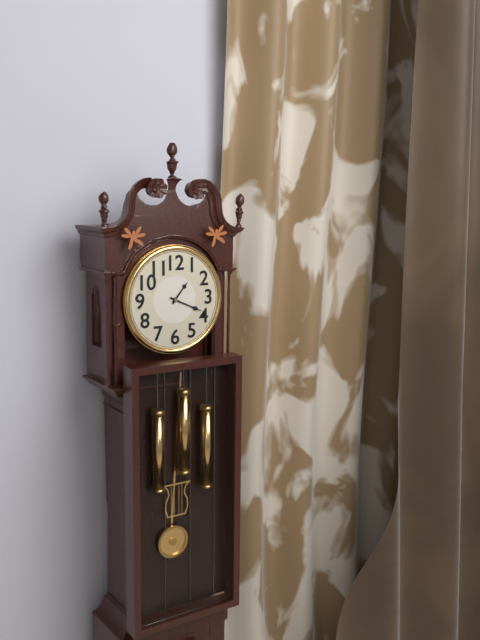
1:19
